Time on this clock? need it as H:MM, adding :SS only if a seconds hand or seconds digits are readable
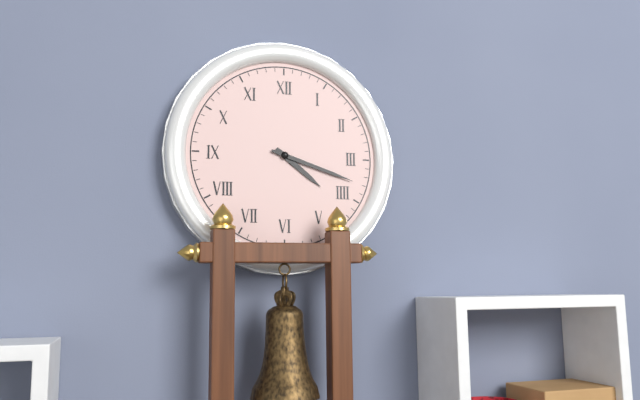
4:18
